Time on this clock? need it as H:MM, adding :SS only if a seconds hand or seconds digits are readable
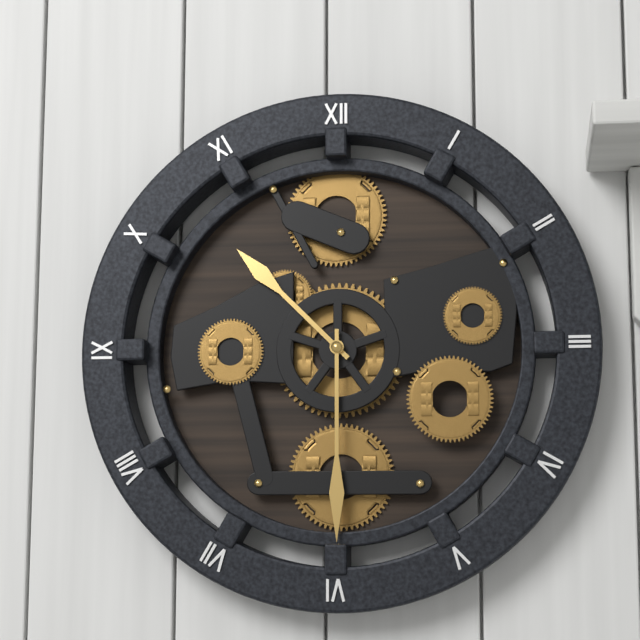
10:30
